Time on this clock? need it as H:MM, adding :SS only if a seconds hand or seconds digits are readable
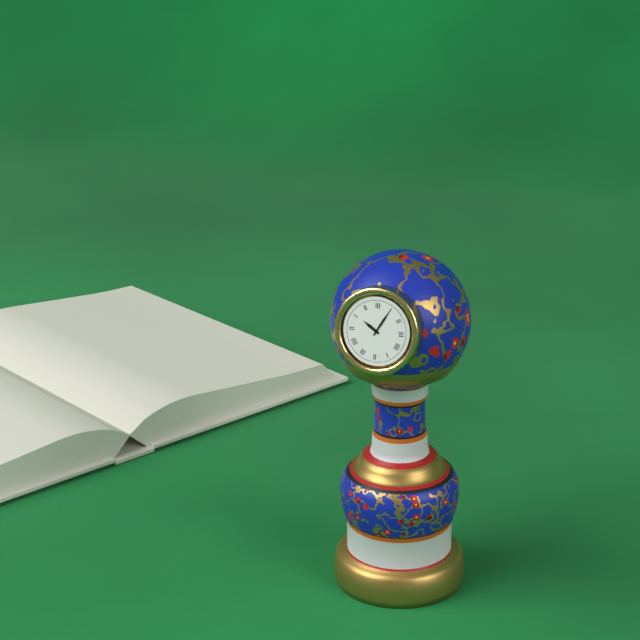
10:05
